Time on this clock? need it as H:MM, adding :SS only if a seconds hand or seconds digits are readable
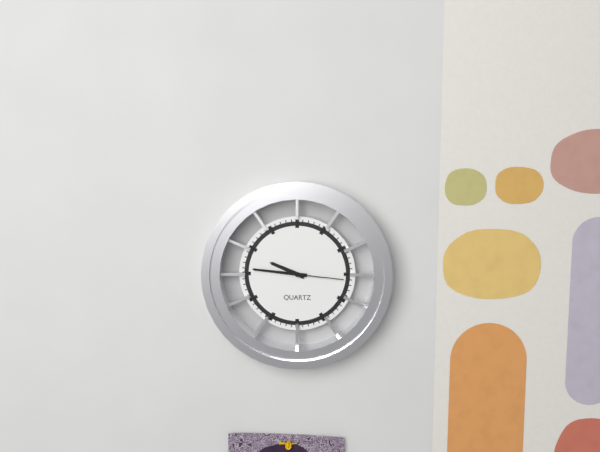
9:46:16
